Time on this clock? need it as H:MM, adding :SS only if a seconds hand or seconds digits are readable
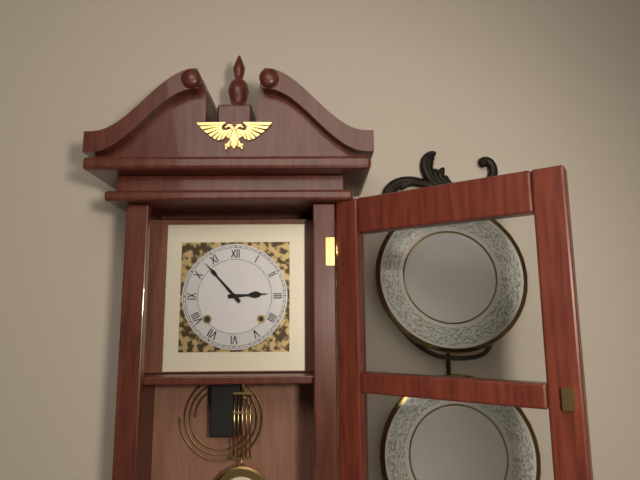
2:53
